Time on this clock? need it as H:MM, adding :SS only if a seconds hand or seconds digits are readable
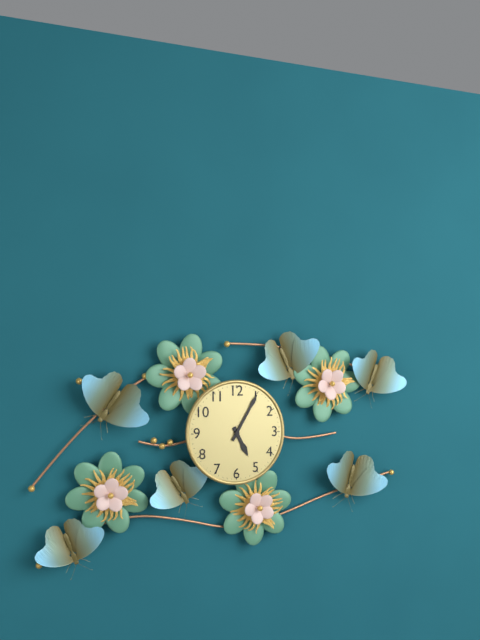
5:05
